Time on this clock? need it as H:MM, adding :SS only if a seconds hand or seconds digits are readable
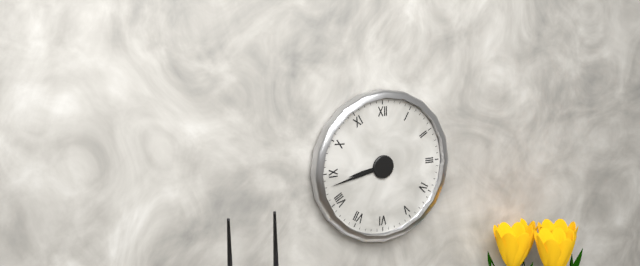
8:43
